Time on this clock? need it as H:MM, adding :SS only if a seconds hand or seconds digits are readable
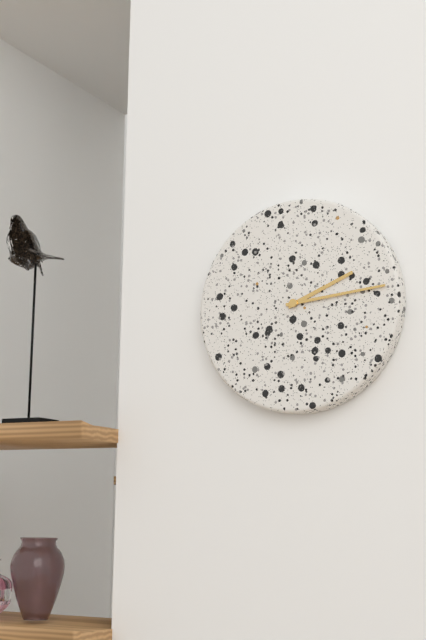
2:14
